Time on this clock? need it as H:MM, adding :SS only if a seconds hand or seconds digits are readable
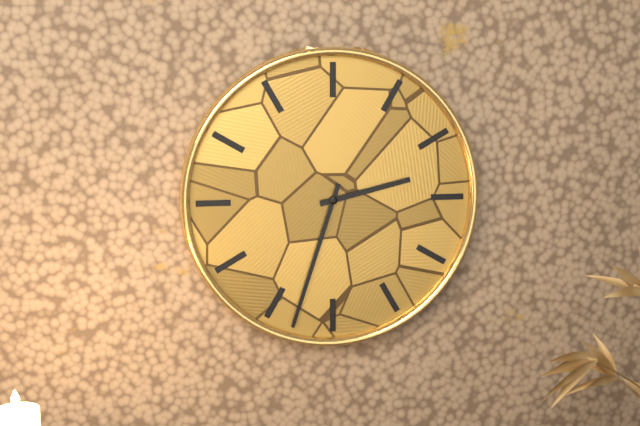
2:33
